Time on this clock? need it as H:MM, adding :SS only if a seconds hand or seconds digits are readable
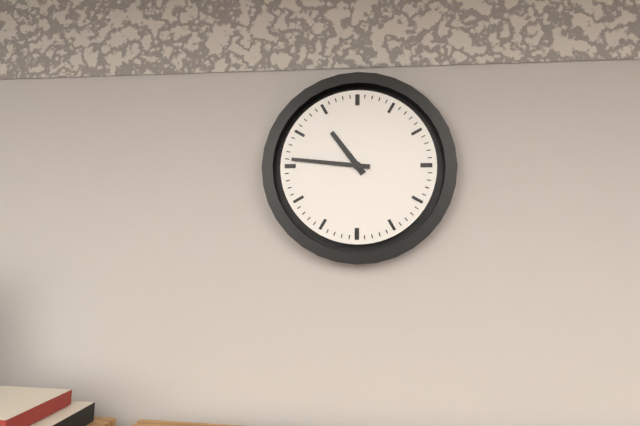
10:46
